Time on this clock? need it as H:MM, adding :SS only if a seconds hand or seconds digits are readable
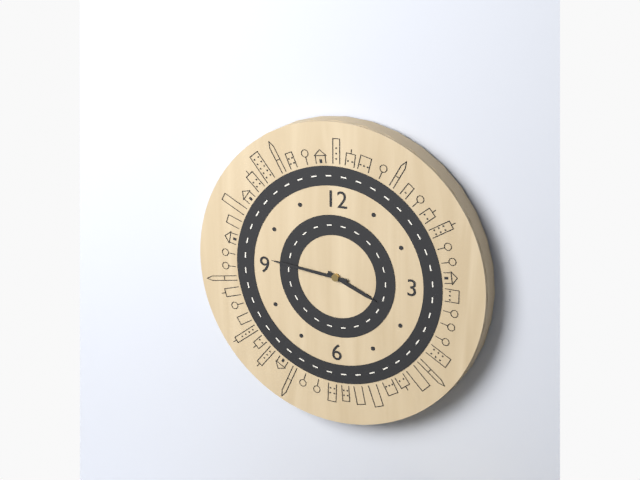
3:46
